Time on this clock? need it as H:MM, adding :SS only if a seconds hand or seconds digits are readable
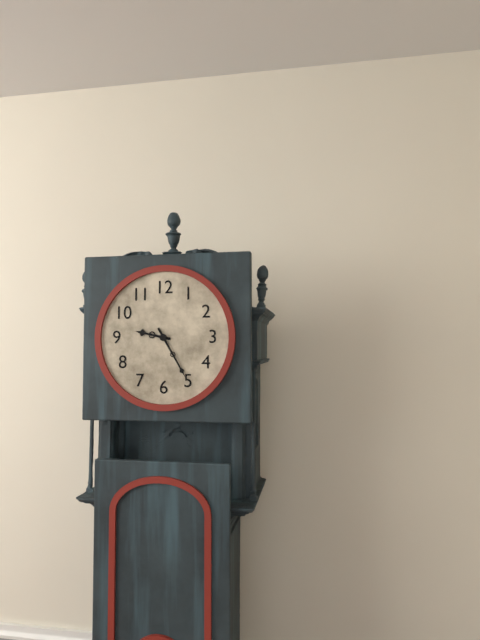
9:25
